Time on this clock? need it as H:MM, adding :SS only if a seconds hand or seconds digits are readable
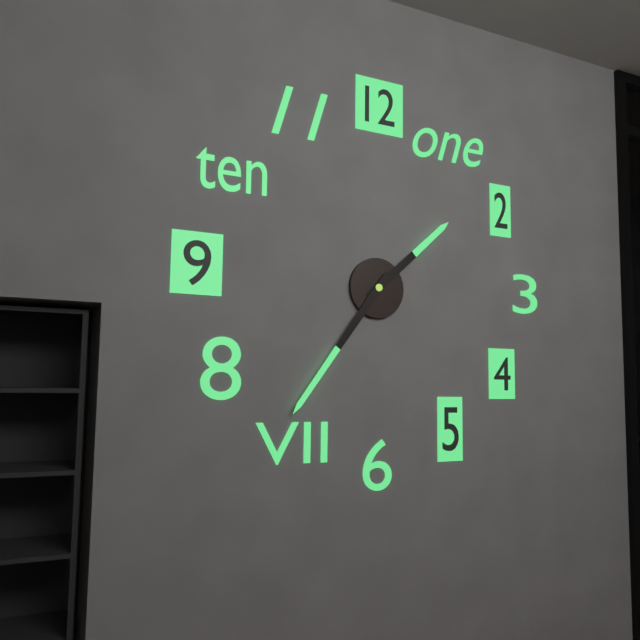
1:36
